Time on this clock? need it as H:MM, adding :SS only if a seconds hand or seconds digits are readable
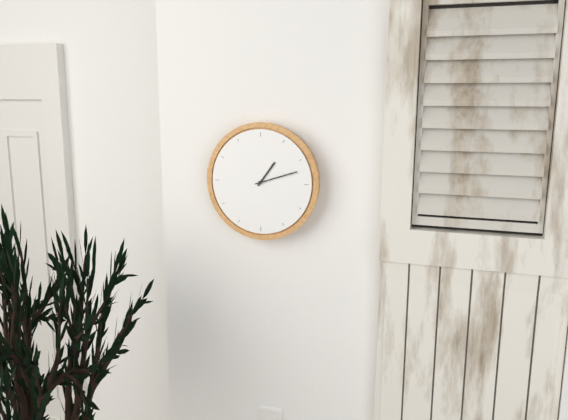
1:12
